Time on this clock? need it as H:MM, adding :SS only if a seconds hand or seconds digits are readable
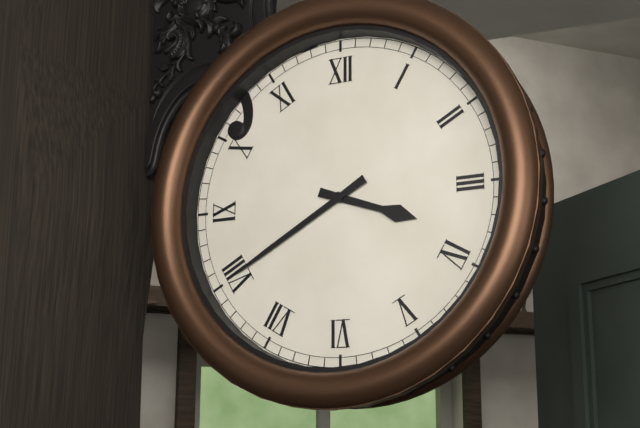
3:40
